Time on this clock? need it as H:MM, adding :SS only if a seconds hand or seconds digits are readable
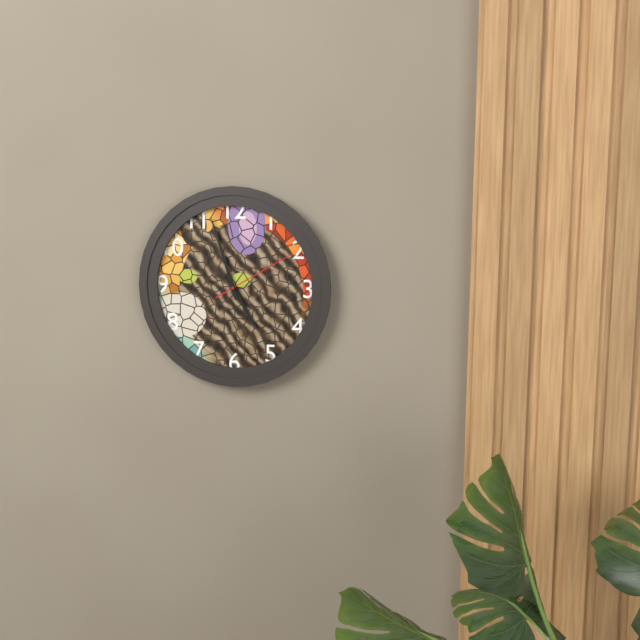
4:57:10
